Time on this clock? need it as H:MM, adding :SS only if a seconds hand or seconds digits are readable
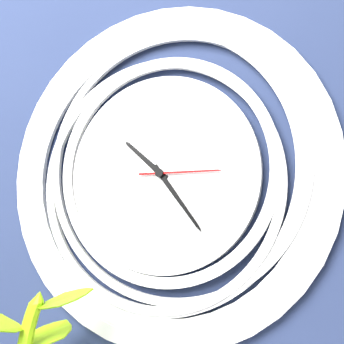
10:24:15
